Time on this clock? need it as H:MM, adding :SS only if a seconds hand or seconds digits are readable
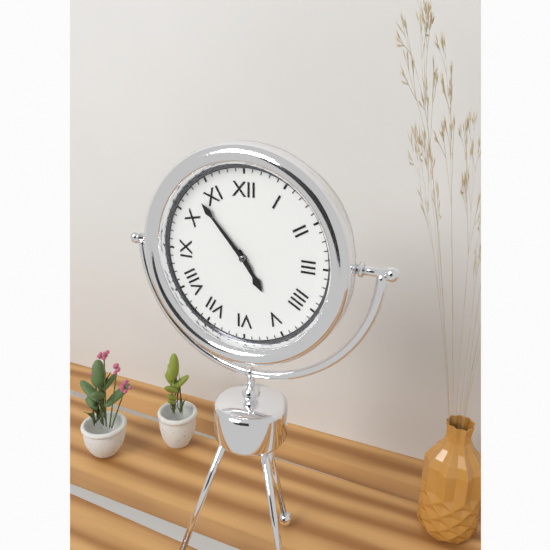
4:53
